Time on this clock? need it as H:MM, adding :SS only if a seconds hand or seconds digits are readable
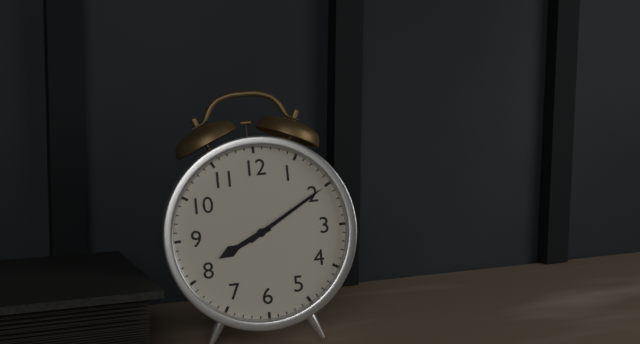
8:10
